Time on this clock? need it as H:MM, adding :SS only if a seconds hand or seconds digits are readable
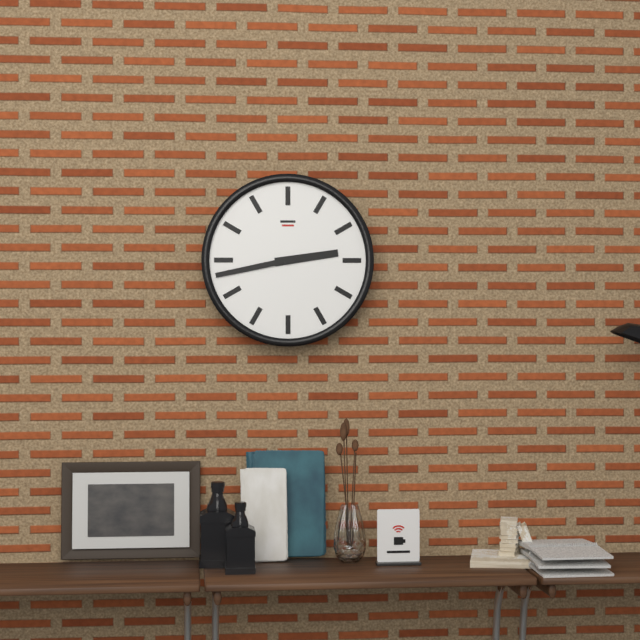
2:43
